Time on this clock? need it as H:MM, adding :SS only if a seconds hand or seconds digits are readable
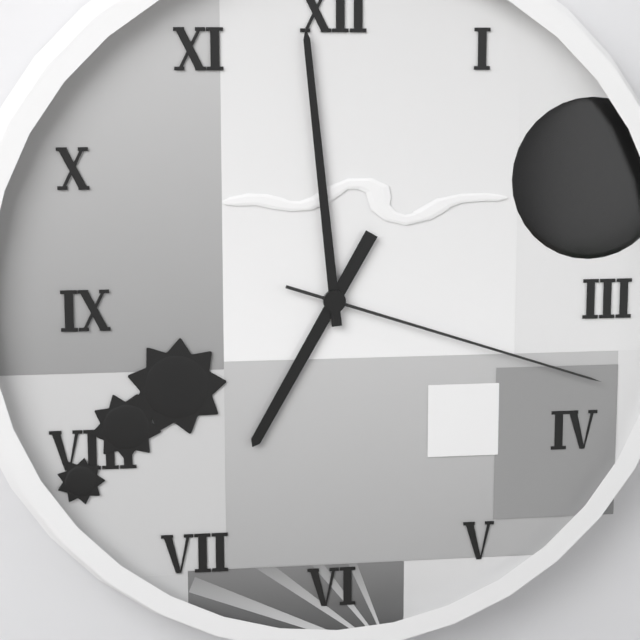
6:59:18
